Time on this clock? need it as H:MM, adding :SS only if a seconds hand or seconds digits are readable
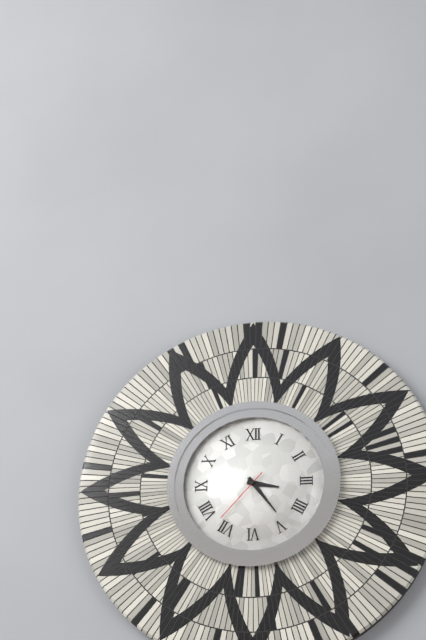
3:24:37
